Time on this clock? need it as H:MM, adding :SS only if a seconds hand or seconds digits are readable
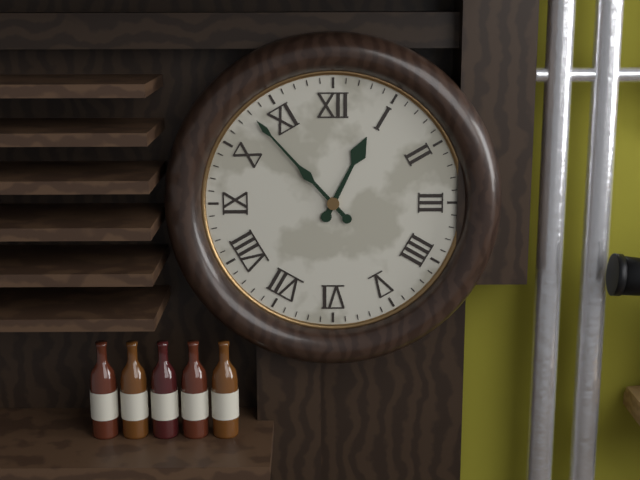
12:53
